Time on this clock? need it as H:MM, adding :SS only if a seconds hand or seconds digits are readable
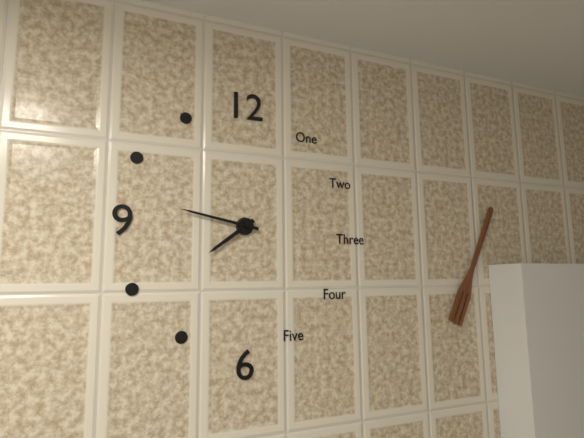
7:47
